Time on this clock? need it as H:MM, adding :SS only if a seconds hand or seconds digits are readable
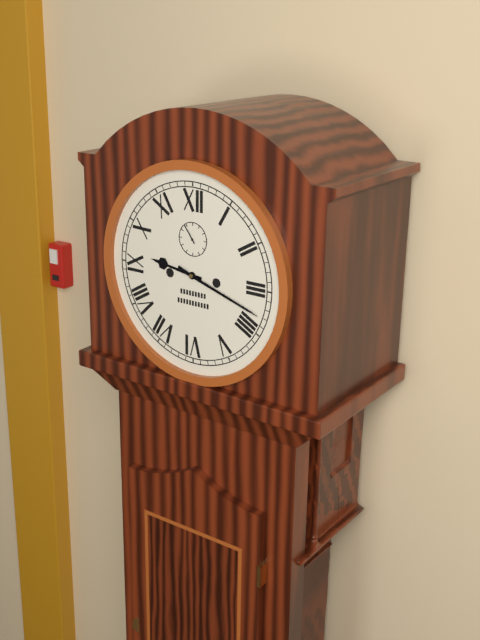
9:18
